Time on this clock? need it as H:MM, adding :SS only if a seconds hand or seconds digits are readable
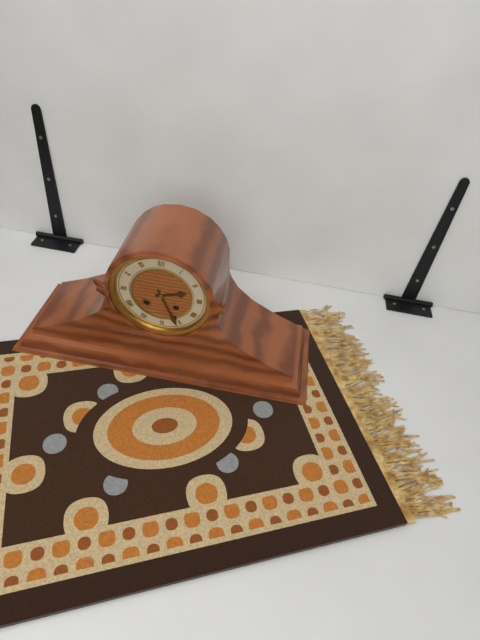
2:26
